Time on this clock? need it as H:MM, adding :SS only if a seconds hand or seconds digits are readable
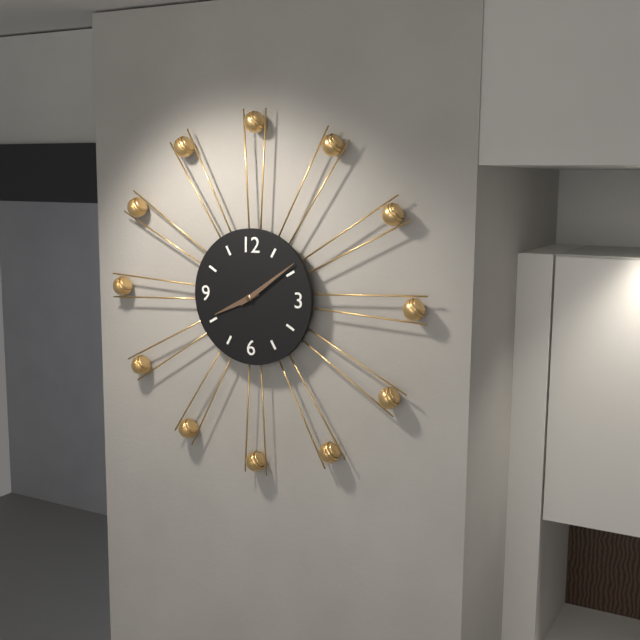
8:09
